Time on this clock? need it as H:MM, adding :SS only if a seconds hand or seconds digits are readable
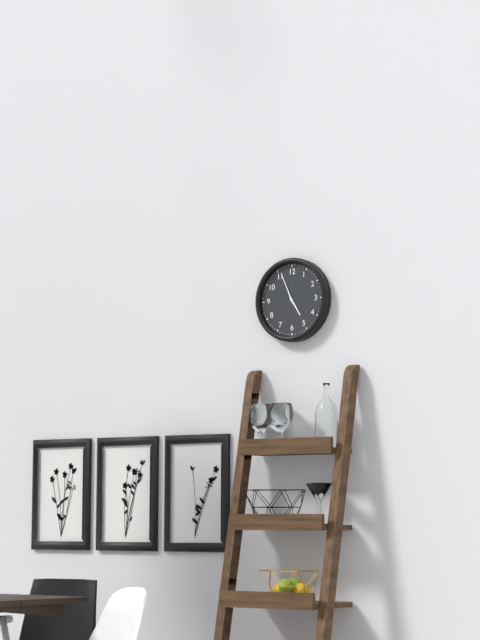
4:56
